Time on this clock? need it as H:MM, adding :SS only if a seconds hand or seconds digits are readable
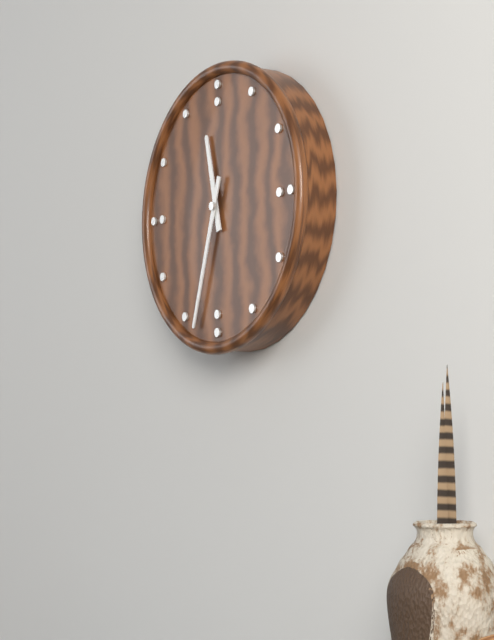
11:33
